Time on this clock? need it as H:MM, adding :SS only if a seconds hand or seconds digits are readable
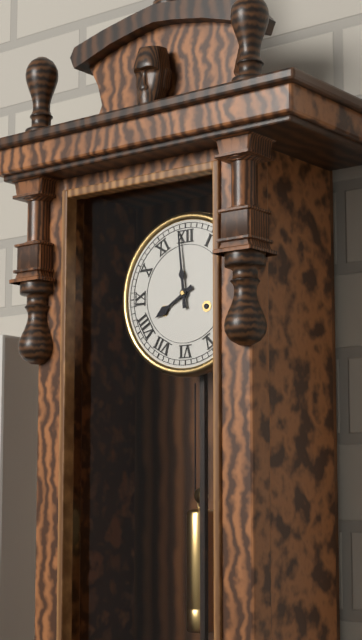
7:59
